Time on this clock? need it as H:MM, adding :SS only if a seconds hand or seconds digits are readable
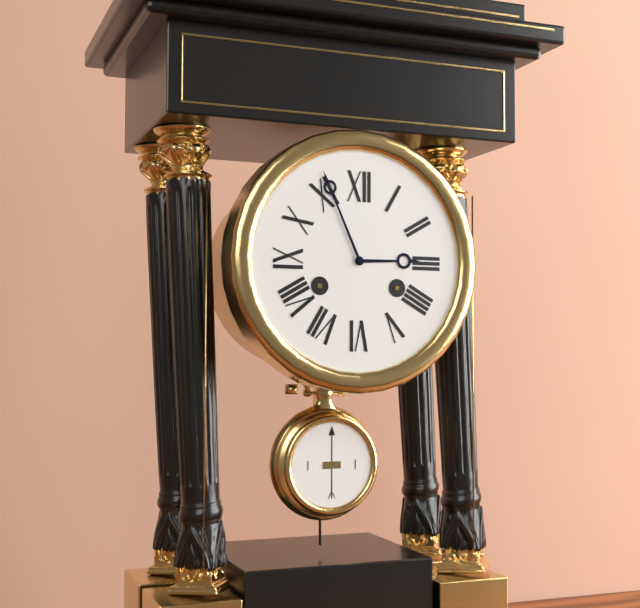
2:56
